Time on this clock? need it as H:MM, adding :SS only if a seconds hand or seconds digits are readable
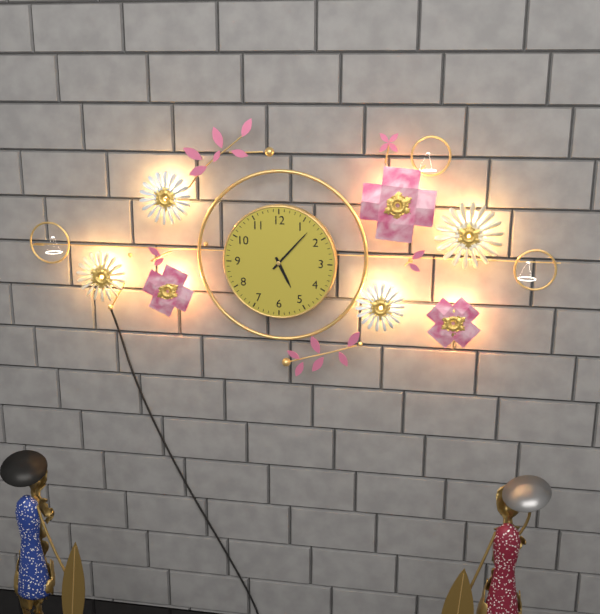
5:07
